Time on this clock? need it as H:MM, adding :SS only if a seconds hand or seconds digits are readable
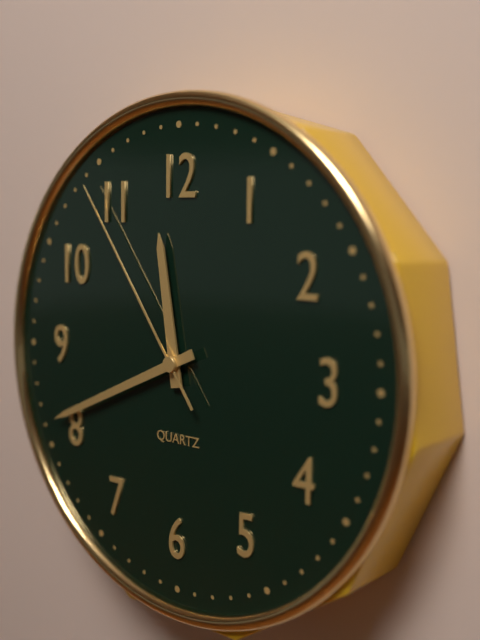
11:41:54
